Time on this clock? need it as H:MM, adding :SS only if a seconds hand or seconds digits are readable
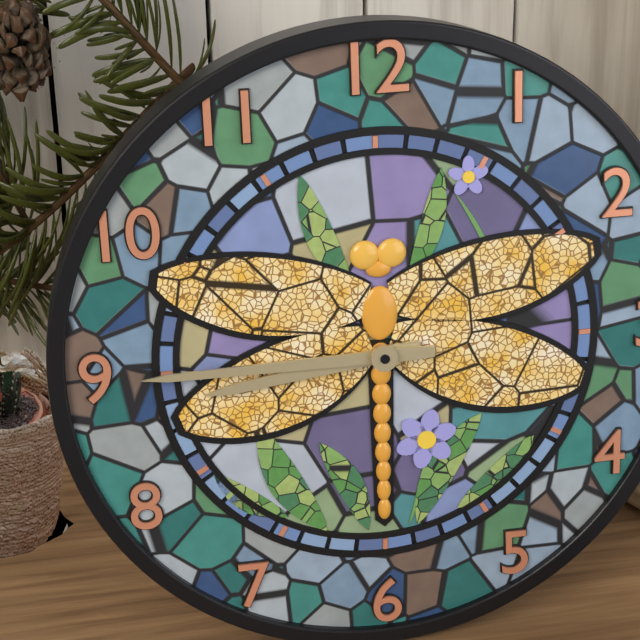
8:45
